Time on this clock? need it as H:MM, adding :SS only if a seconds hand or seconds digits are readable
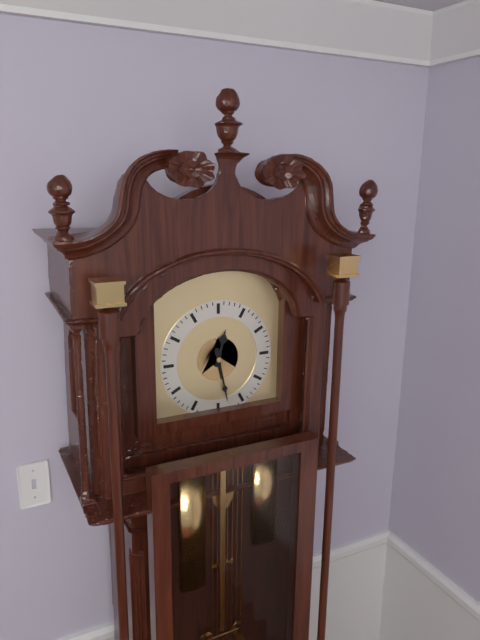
12:28
